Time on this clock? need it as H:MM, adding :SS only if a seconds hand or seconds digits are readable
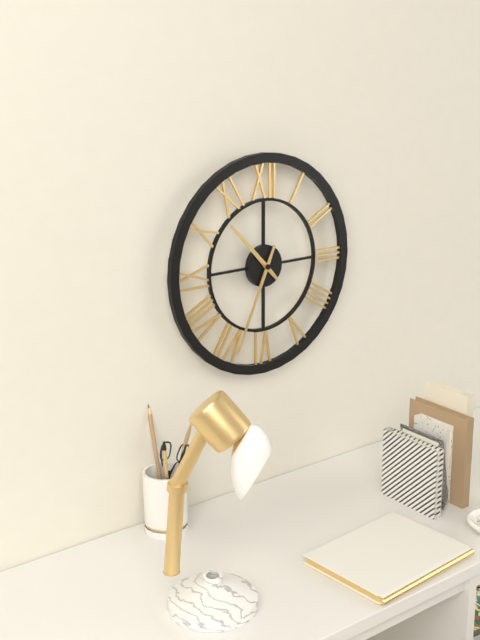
10:34
